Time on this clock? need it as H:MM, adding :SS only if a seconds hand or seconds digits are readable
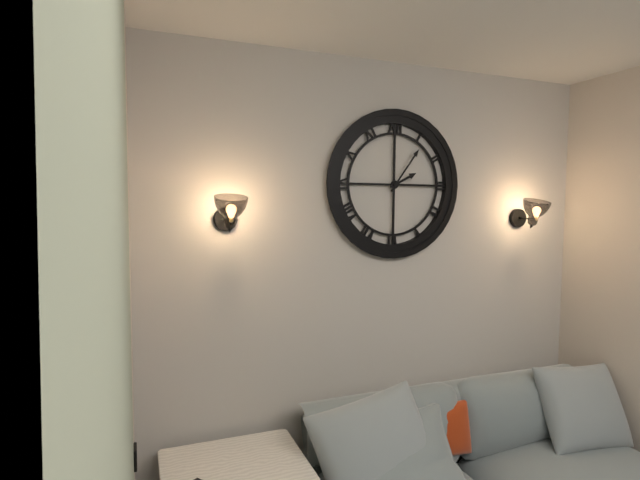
2:06
